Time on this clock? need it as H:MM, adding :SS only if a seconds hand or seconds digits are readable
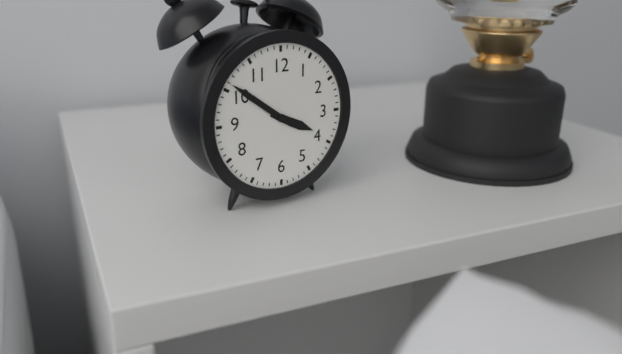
3:51
